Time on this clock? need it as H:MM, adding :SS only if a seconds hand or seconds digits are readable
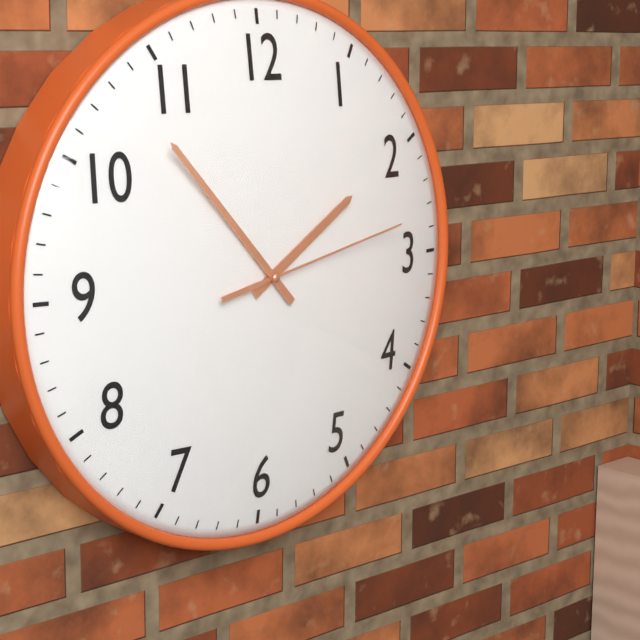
1:53:13
